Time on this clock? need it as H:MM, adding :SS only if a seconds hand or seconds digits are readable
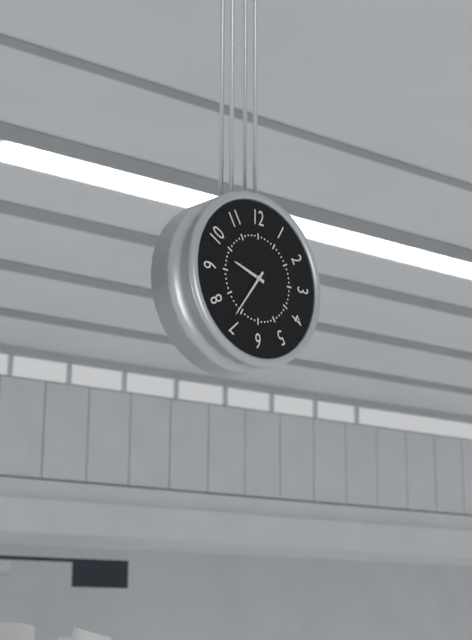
9:36
